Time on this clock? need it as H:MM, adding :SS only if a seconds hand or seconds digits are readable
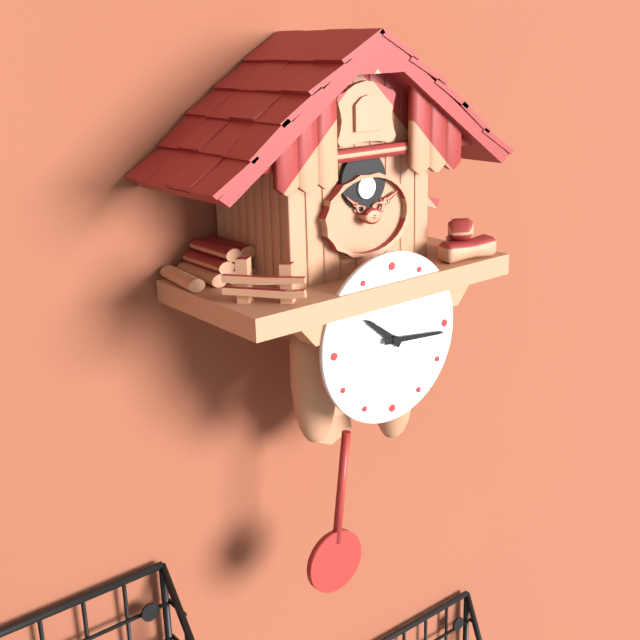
10:16
